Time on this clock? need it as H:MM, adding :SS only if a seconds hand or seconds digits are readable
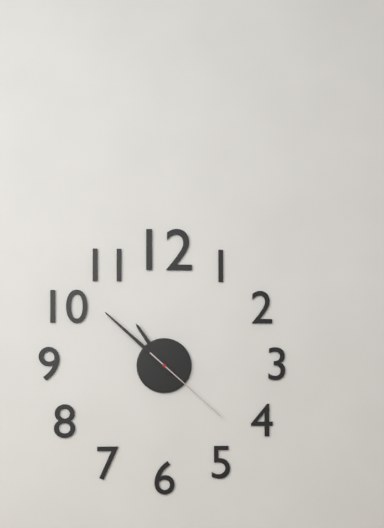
10:52:22
